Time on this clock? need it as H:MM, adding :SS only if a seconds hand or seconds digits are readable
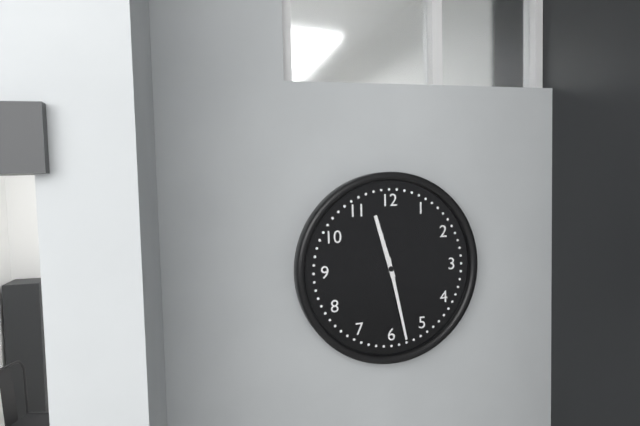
11:28
